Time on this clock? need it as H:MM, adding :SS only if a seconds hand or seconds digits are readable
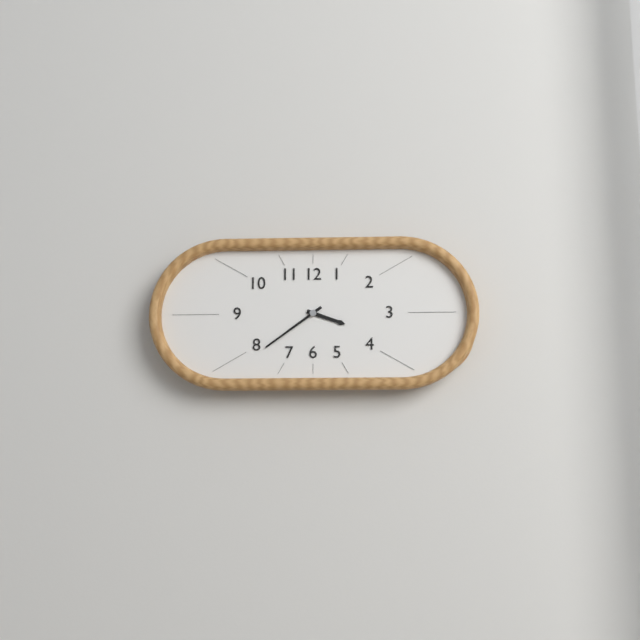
3:39
